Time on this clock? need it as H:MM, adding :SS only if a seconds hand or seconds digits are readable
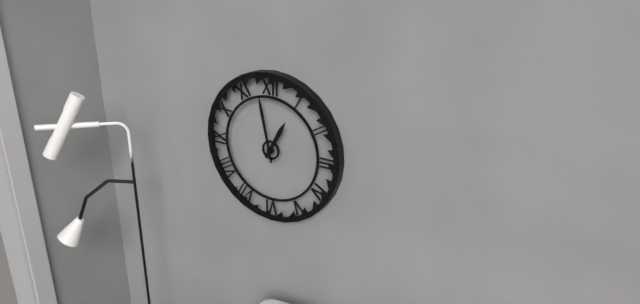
12:58
